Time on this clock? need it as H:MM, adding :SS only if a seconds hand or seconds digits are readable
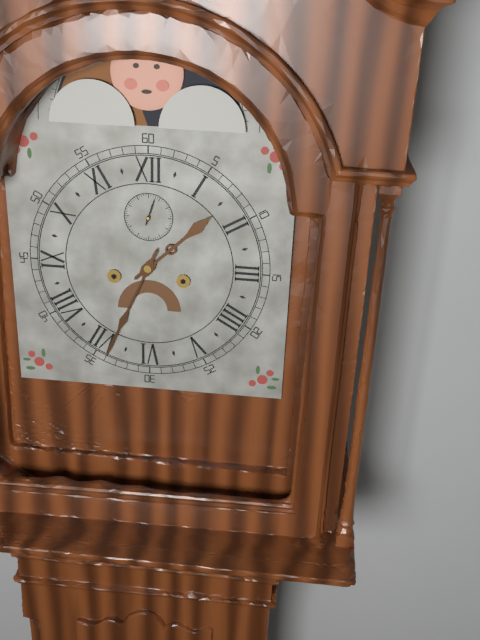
1:34
